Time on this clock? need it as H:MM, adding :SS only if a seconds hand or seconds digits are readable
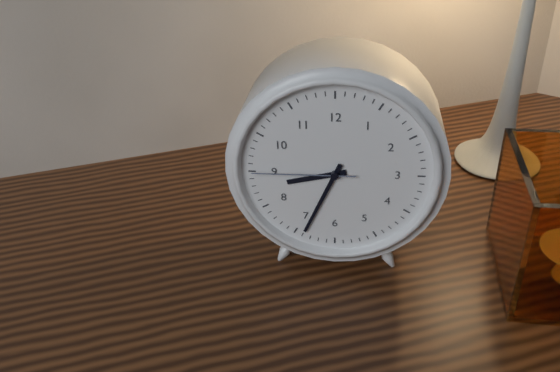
8:34:45
